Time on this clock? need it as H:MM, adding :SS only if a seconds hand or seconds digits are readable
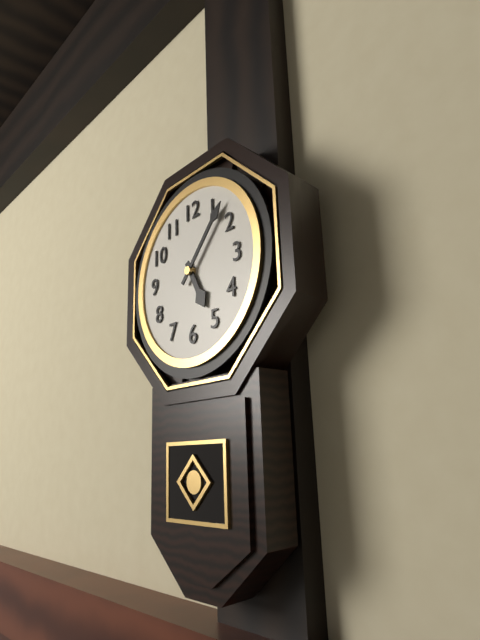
5:07
